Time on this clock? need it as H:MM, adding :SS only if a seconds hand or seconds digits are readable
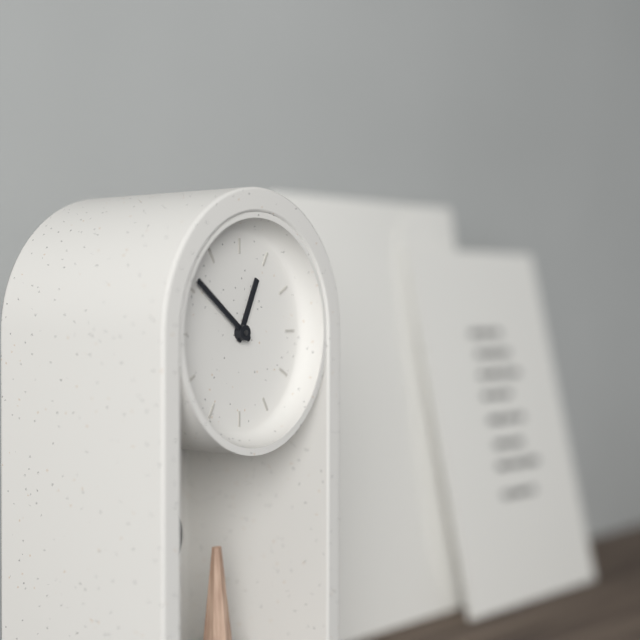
12:51
